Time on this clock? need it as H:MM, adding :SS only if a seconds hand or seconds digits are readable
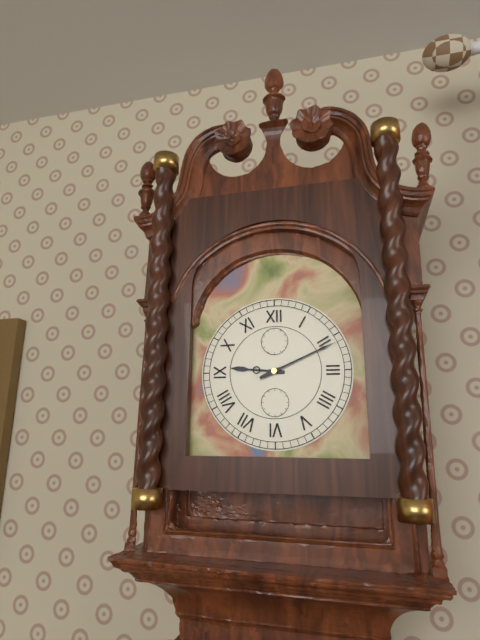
9:11
